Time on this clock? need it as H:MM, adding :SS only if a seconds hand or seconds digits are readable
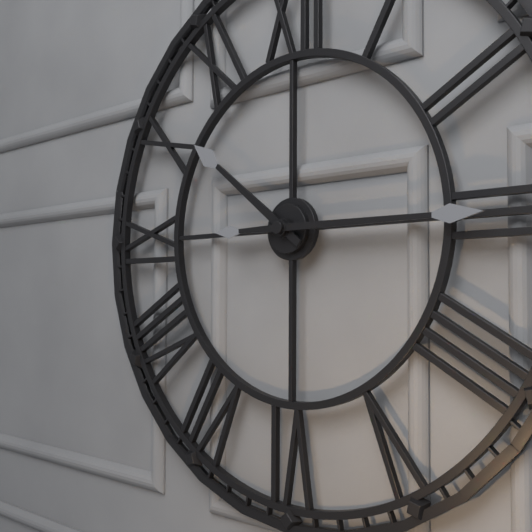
10:15
